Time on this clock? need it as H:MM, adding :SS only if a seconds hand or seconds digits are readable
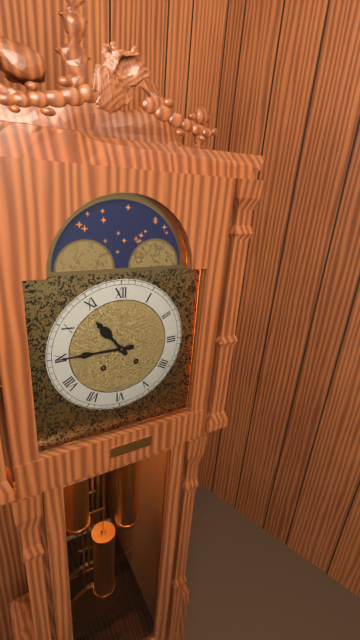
10:45
